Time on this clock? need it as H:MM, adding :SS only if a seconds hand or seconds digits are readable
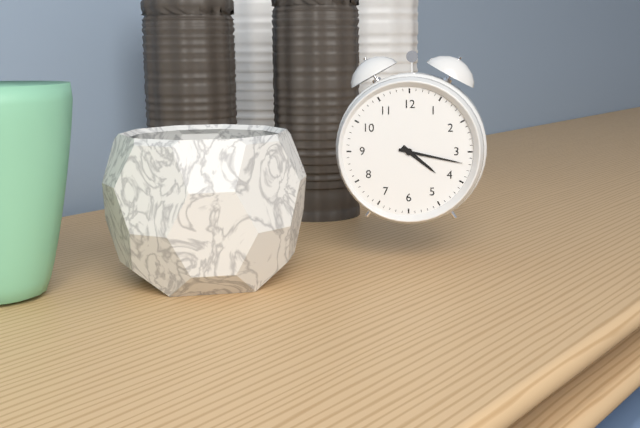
4:17
